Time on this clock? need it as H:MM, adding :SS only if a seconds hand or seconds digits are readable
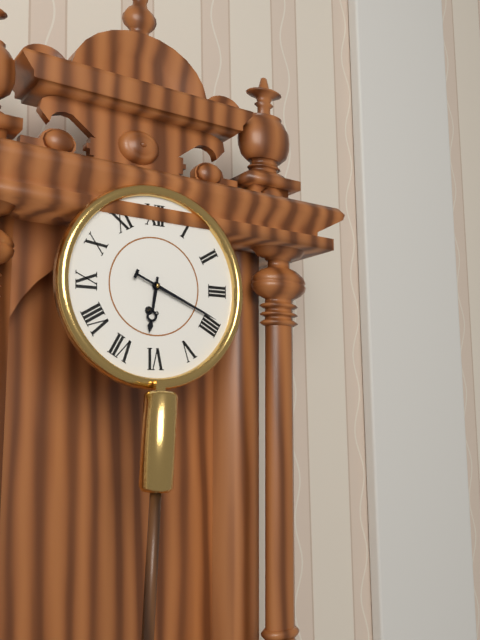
6:19
